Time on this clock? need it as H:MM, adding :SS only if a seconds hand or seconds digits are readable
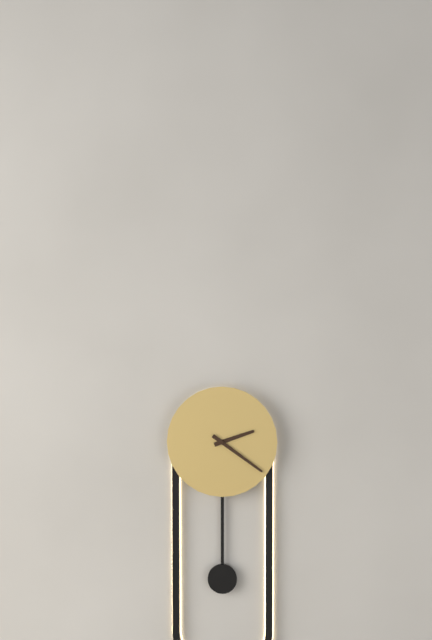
2:21
